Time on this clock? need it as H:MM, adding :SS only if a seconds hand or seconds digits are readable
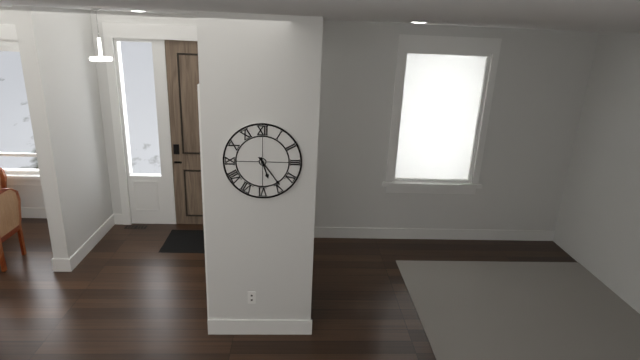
5:24
